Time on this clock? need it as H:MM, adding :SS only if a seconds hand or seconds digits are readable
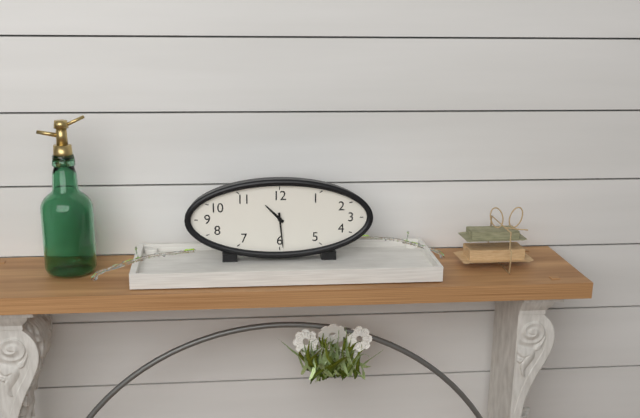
10:29
